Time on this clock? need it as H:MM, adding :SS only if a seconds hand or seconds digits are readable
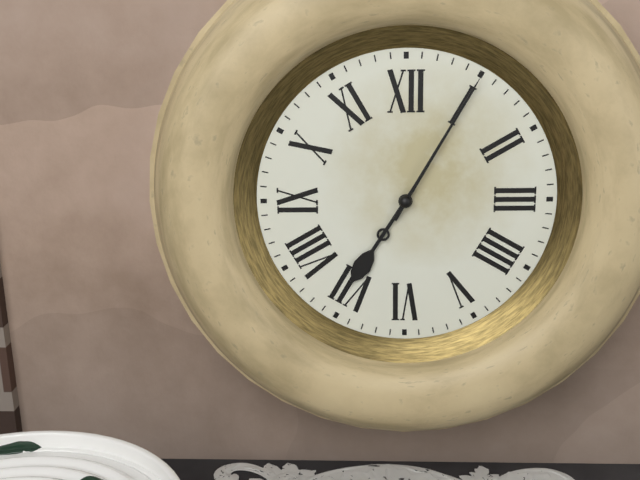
7:05
